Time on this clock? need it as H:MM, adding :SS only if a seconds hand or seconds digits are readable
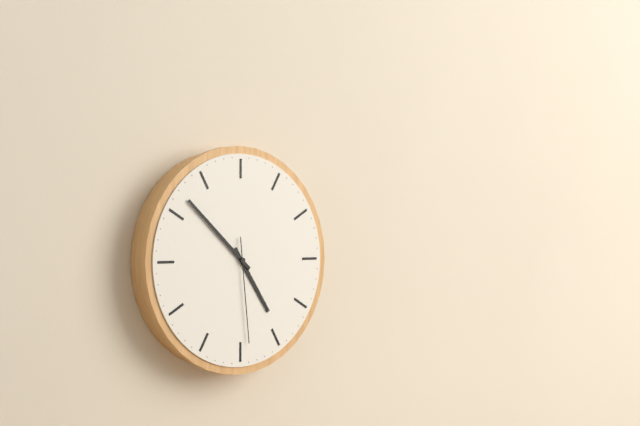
4:52:29
